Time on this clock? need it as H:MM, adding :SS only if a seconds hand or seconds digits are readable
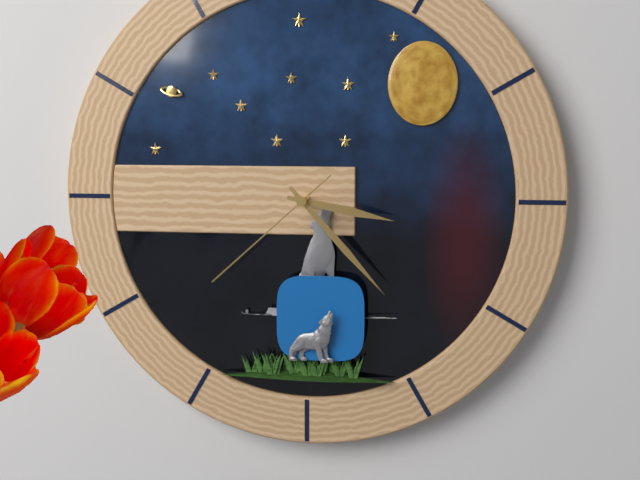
3:23:38
